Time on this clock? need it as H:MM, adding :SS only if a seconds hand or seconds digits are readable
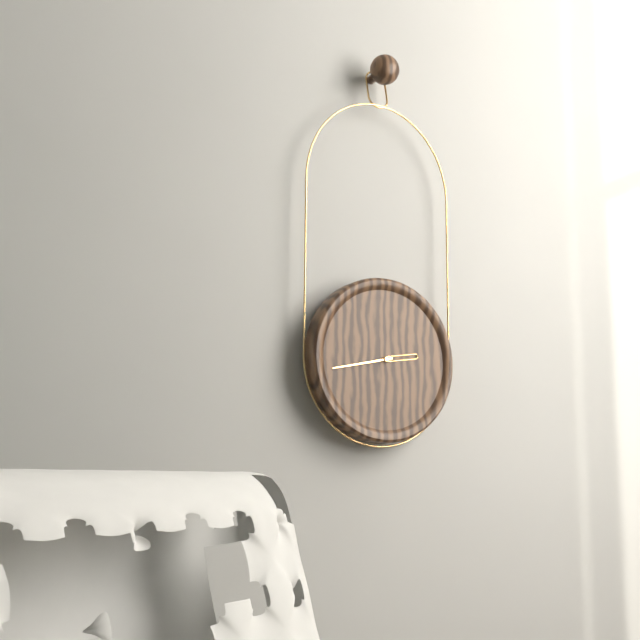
2:43
